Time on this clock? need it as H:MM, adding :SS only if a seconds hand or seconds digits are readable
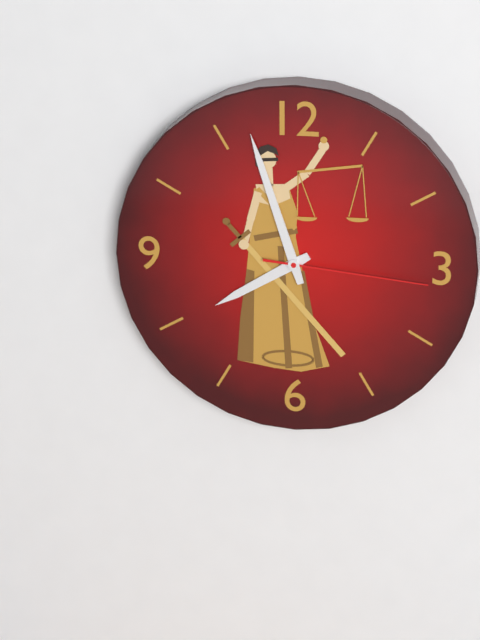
7:57:16
